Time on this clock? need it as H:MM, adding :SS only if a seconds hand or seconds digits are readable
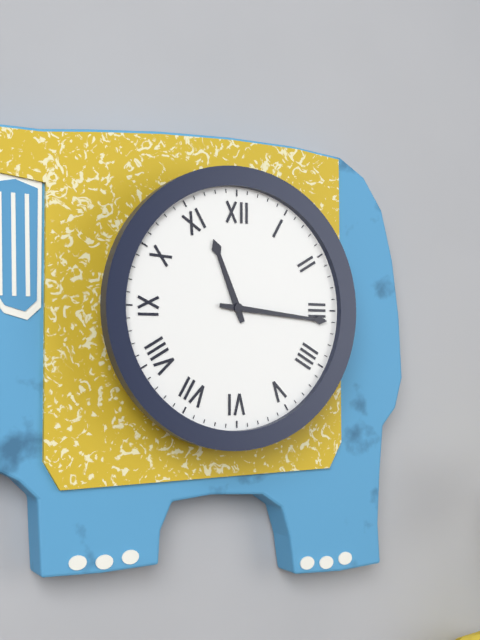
11:16
